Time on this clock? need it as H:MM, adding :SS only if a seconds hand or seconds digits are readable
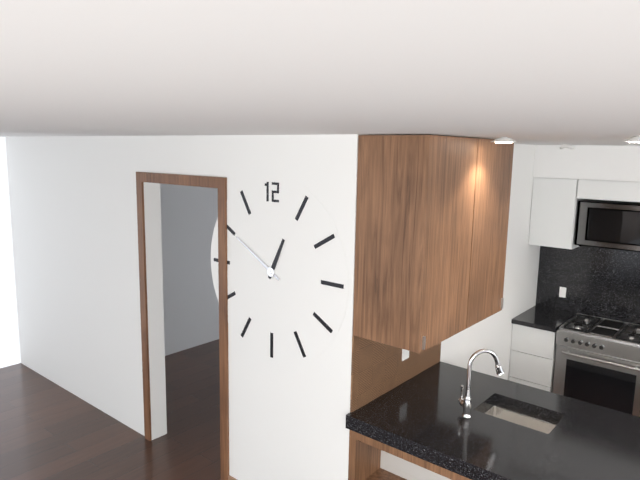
12:50
